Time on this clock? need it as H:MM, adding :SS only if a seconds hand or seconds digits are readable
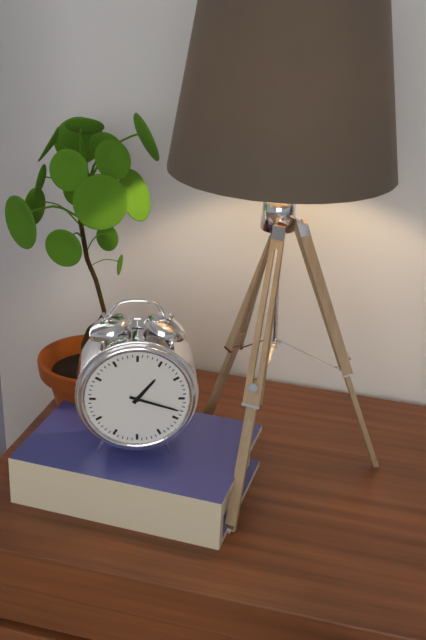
1:18
